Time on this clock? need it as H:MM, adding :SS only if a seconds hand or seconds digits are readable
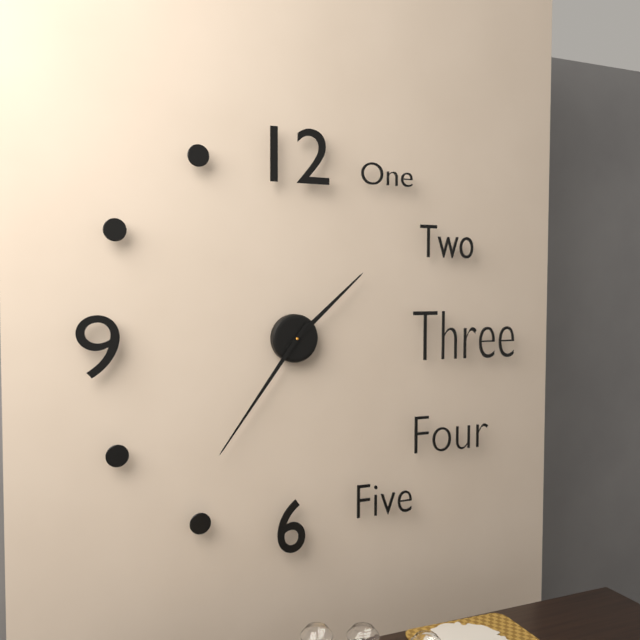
1:36
